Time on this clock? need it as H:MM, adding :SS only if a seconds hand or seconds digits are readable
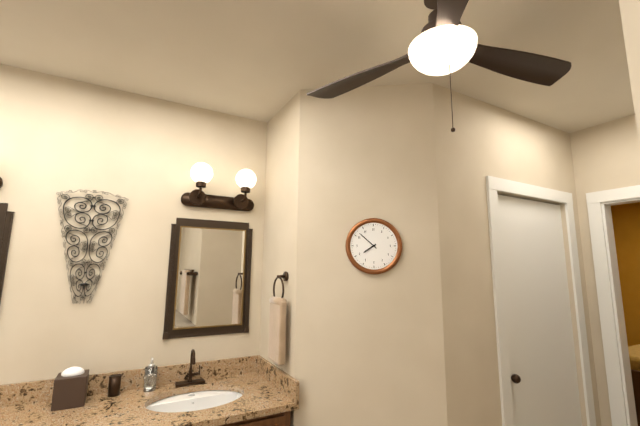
7:52
